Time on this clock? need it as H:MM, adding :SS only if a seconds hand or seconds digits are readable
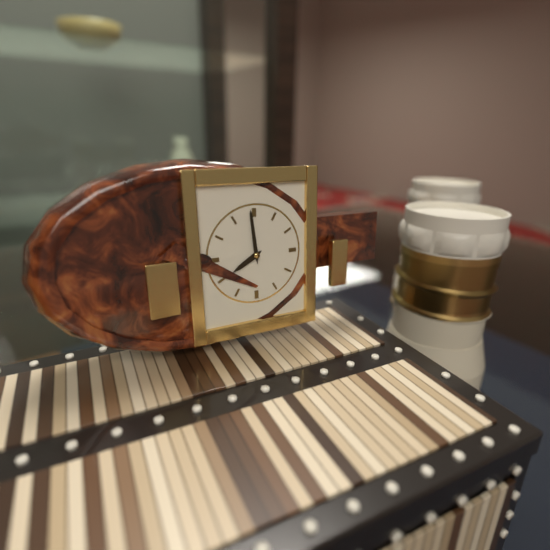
7:59
